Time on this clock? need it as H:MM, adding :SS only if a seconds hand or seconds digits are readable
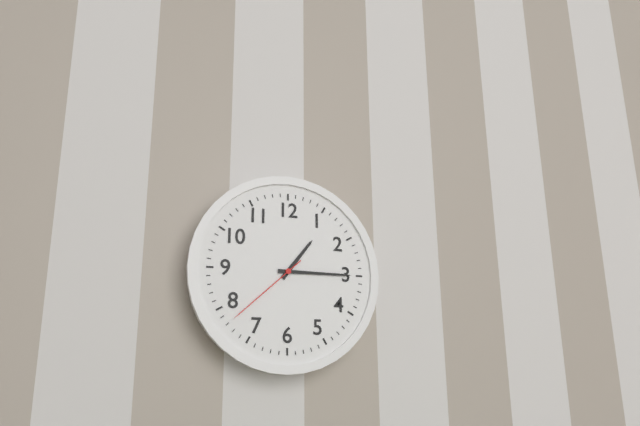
1:15:38
